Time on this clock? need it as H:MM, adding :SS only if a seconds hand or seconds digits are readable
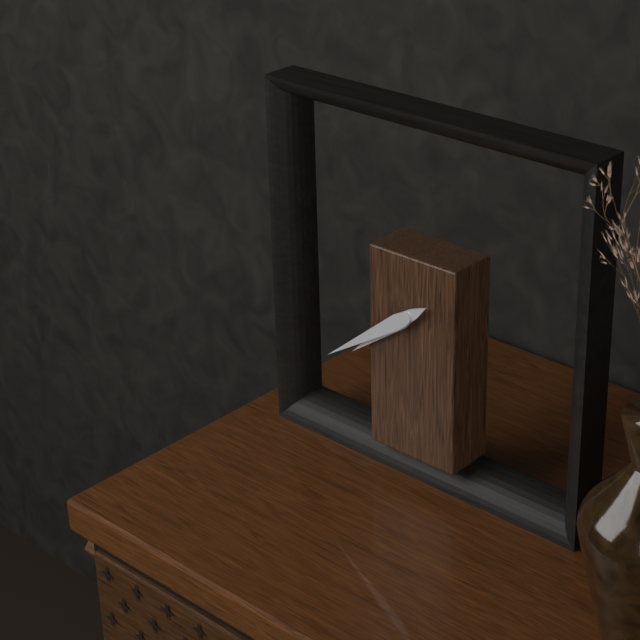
7:39
